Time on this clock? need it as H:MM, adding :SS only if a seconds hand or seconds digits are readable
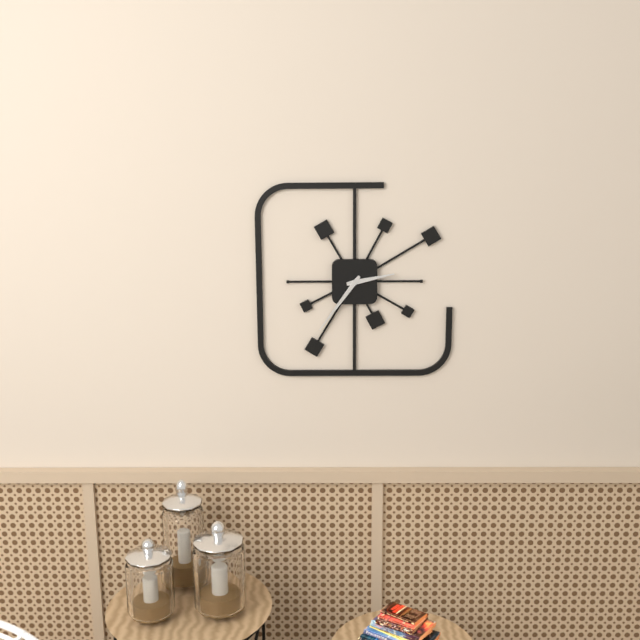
2:36
